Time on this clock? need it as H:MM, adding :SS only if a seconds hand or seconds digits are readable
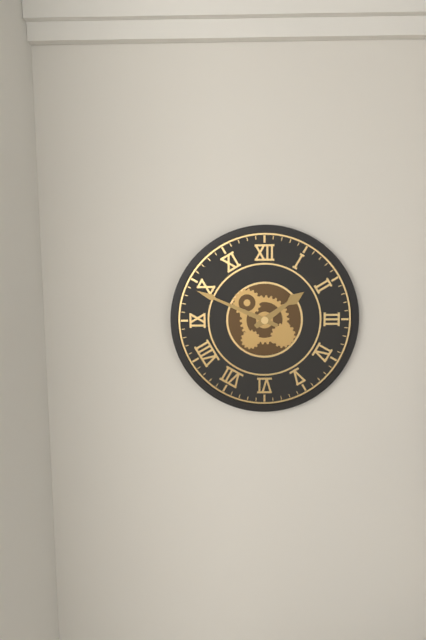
1:49
